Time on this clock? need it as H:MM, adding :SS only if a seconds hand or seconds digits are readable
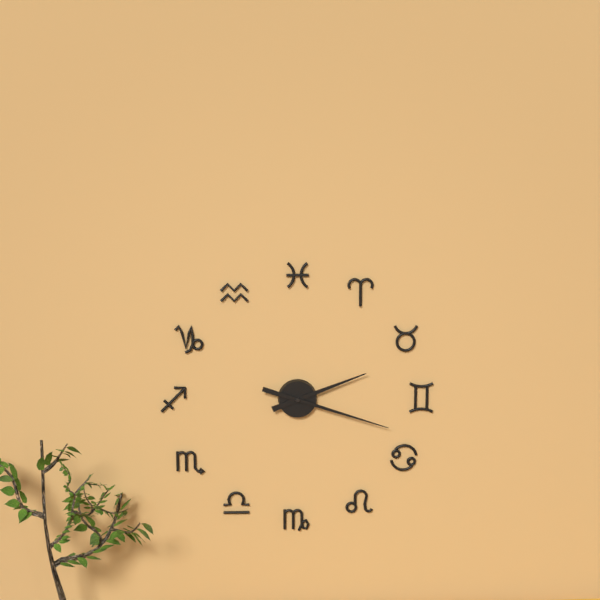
2:18
